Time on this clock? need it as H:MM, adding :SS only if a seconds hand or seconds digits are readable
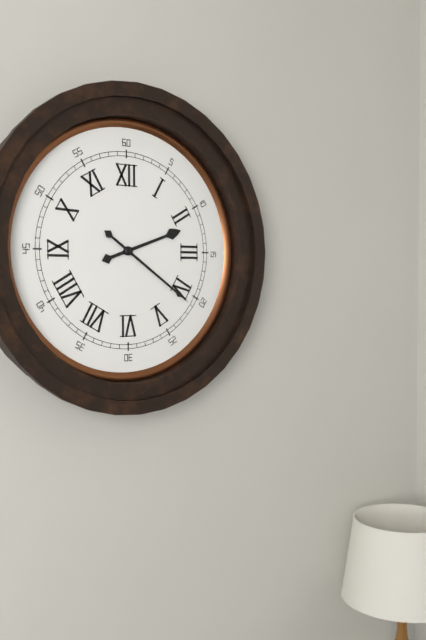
2:21
